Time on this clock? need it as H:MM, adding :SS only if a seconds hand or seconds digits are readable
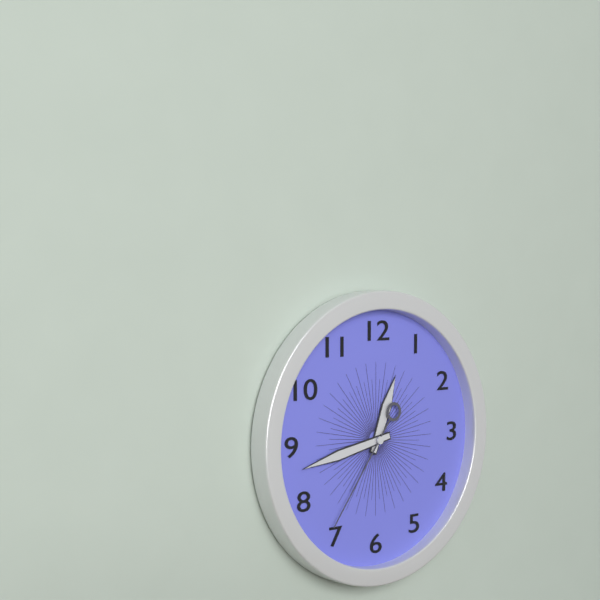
12:43:36
